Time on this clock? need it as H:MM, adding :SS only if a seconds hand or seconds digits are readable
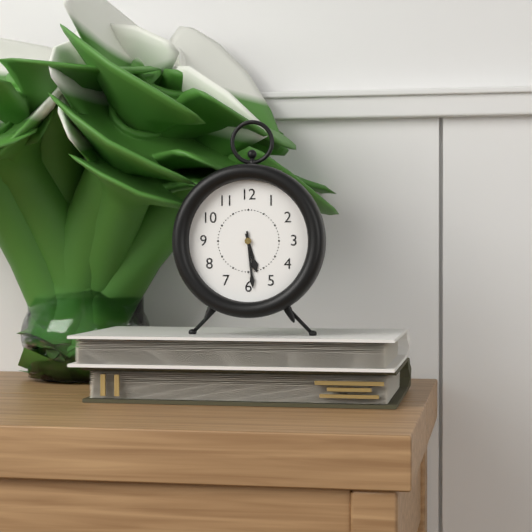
5:29
